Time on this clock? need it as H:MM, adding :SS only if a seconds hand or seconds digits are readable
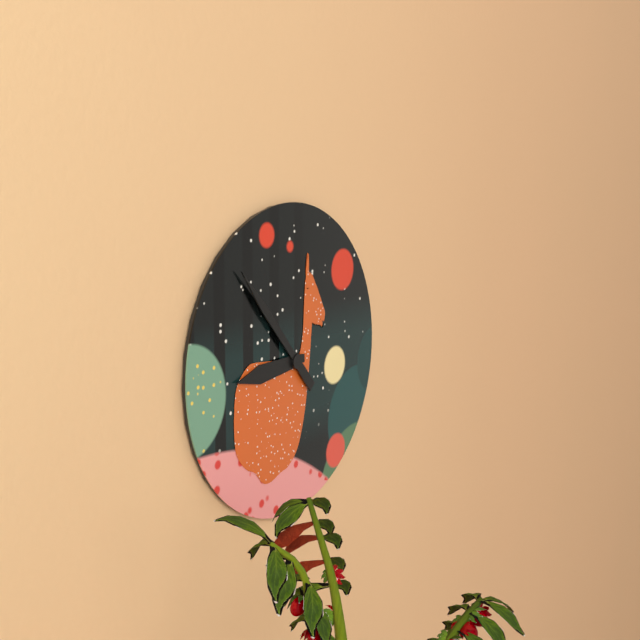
8:53
